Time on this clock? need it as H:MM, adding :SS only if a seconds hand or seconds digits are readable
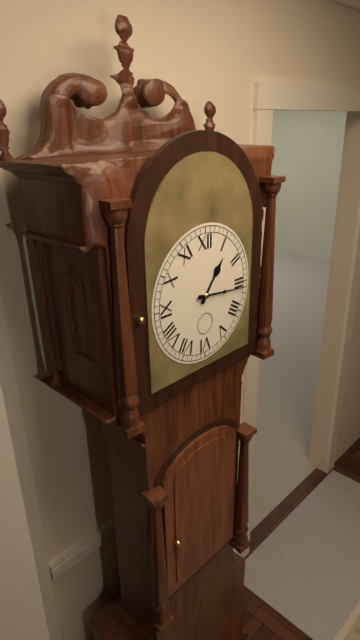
1:16
